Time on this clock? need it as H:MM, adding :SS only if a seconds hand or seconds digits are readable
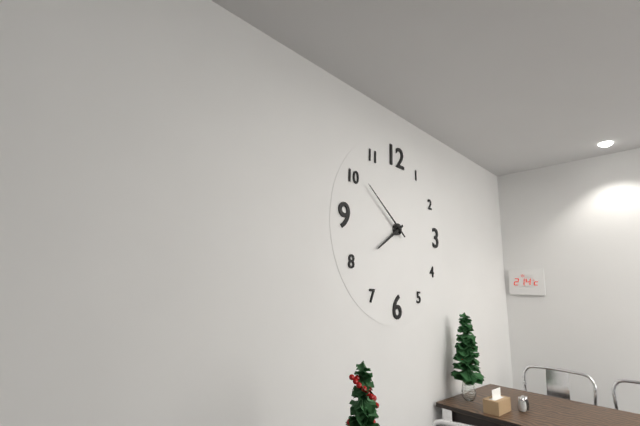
7:51
